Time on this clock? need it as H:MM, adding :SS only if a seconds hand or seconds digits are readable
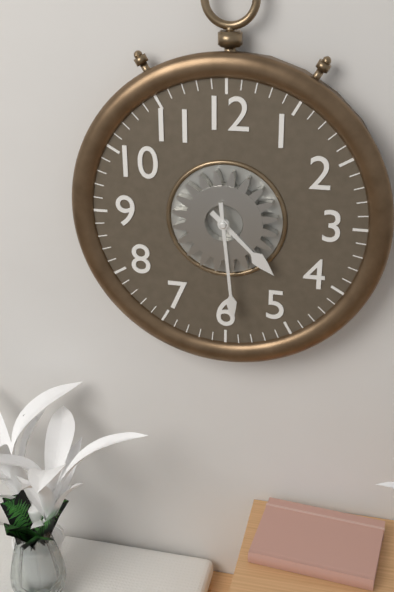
4:29
